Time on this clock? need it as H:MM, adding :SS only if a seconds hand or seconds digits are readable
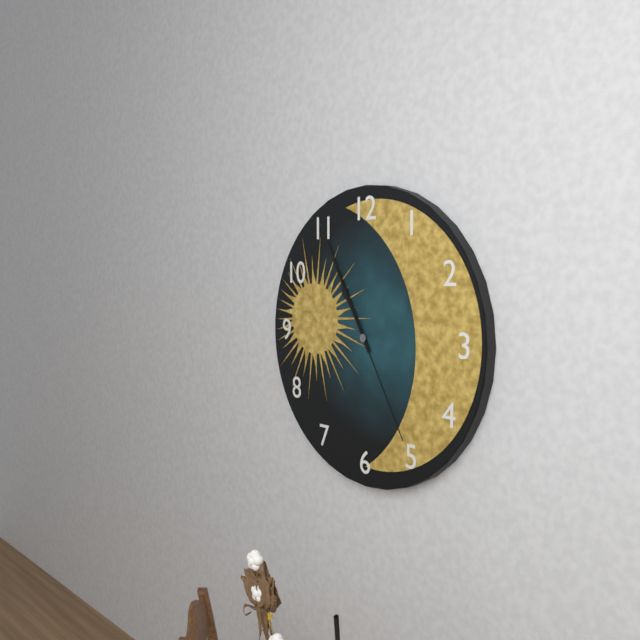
10:55:25
